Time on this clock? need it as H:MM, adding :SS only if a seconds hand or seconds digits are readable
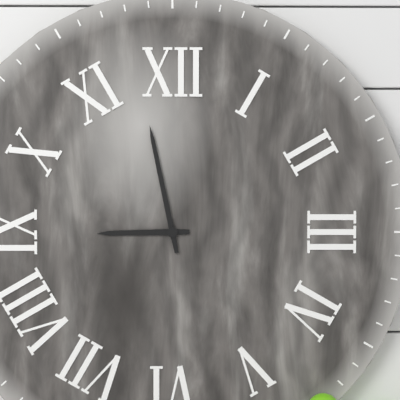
8:58
